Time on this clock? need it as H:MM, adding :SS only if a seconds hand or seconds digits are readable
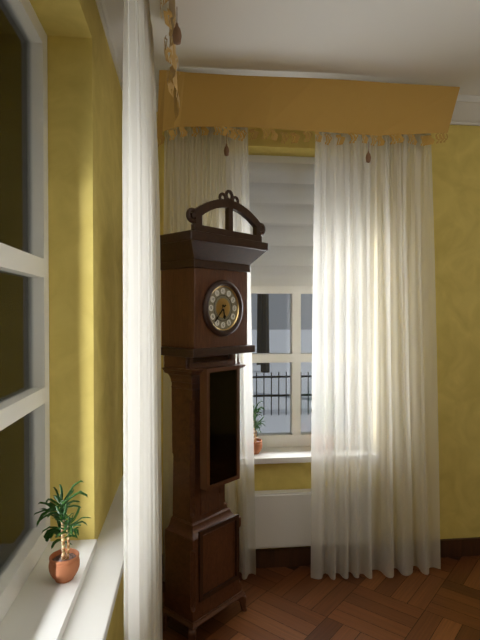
5:37
